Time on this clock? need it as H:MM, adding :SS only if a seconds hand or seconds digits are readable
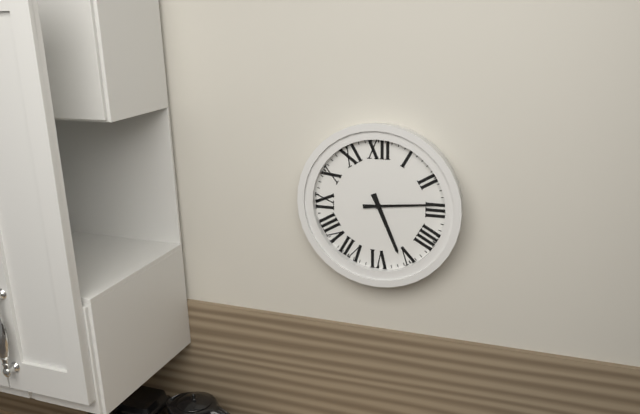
5:14
